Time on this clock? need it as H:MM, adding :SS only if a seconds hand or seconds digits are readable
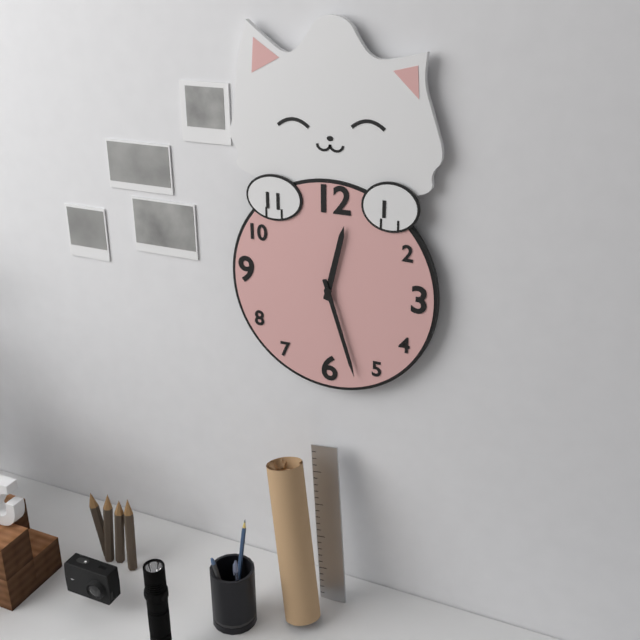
12:27
